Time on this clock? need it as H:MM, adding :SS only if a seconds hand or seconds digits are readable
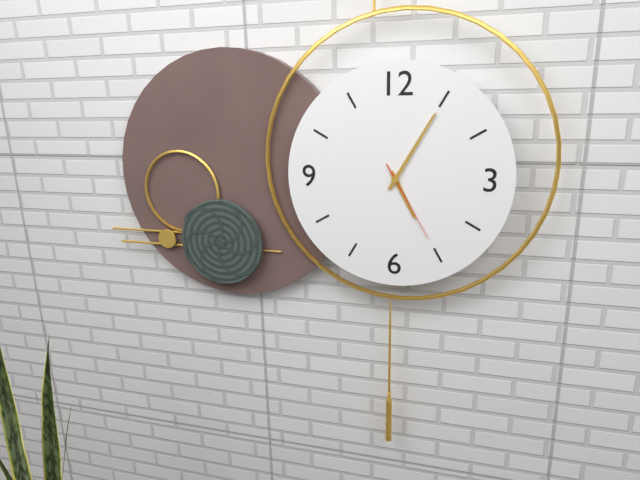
5:05:25
